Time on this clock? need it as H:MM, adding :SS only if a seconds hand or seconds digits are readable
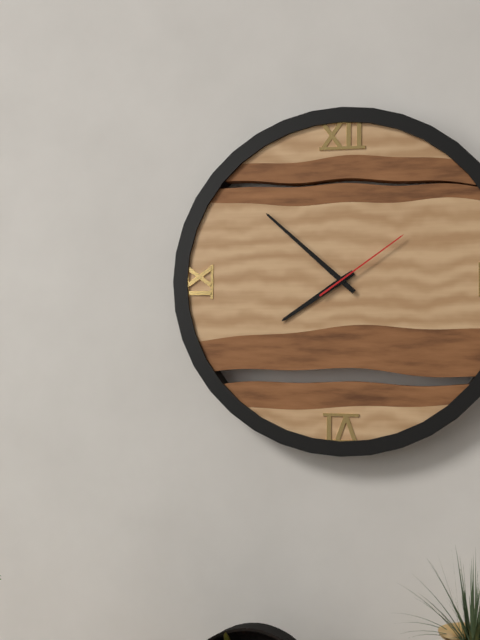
7:52:09
